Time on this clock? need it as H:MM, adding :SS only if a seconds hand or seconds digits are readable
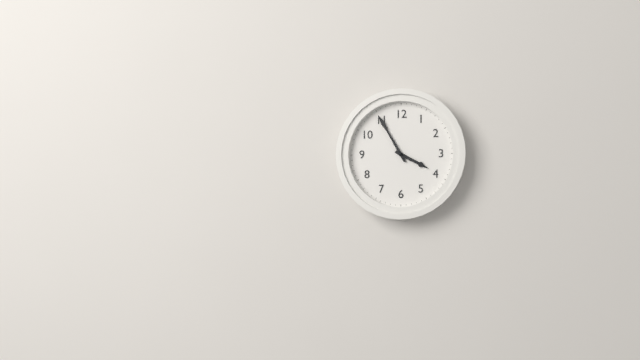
3:55
